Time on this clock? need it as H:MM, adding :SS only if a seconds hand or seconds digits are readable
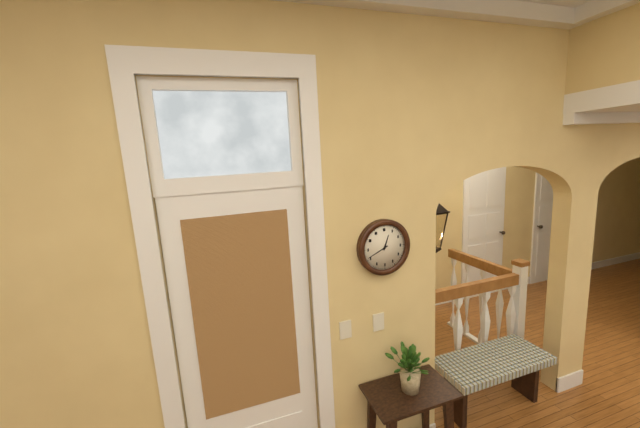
12:41
